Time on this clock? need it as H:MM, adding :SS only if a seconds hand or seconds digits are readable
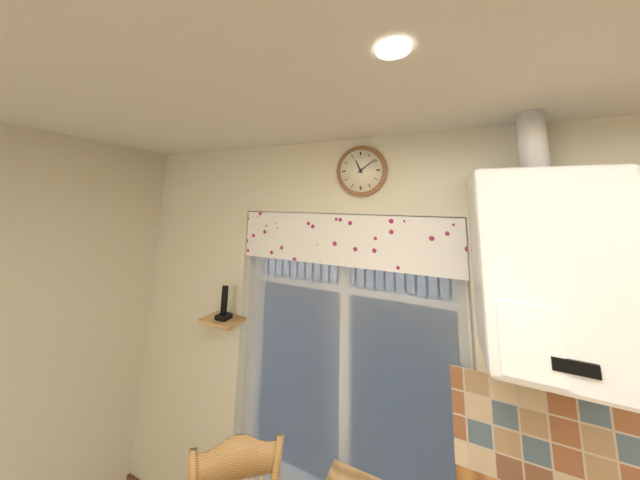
11:09
